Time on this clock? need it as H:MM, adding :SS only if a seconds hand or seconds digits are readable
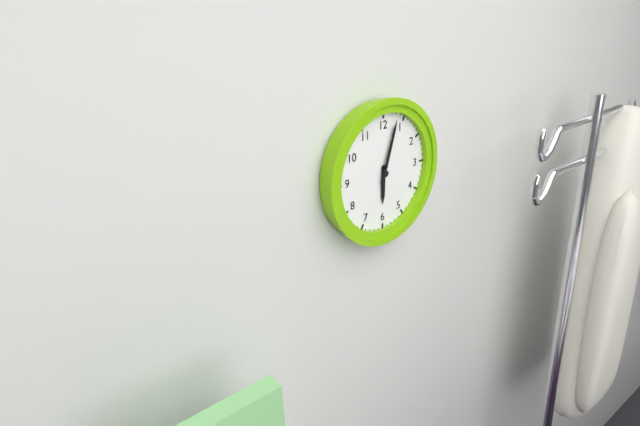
6:03
